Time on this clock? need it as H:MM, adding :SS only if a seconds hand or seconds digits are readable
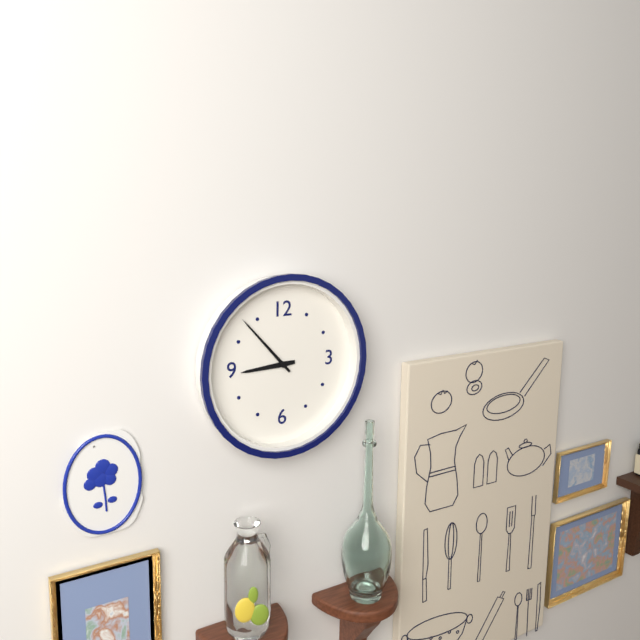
8:53
